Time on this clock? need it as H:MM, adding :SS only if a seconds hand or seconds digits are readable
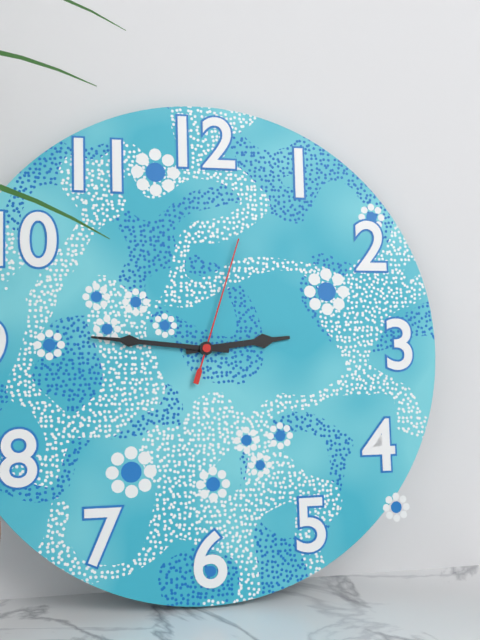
2:46:03
